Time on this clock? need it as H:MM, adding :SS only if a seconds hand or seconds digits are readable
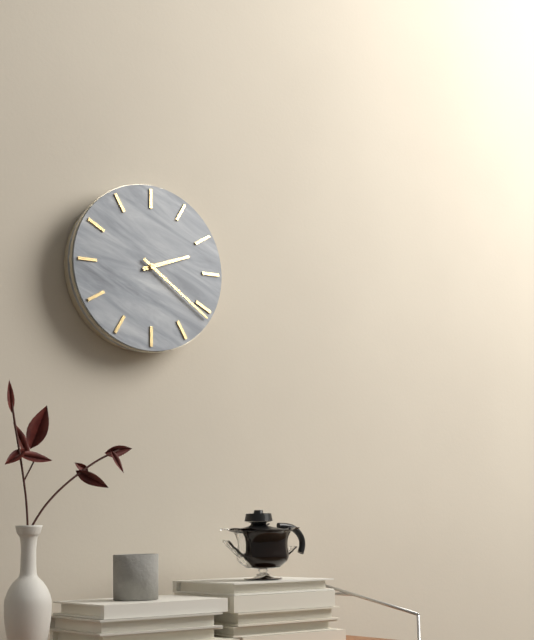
2:21
